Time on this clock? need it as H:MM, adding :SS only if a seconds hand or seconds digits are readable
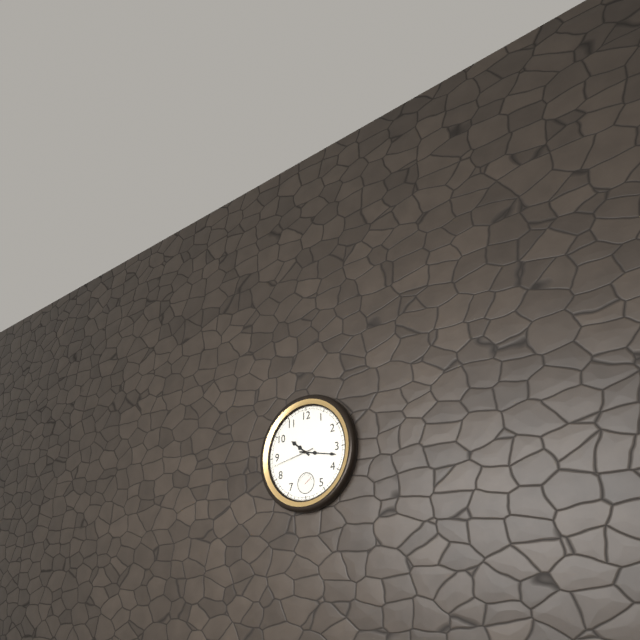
10:17
